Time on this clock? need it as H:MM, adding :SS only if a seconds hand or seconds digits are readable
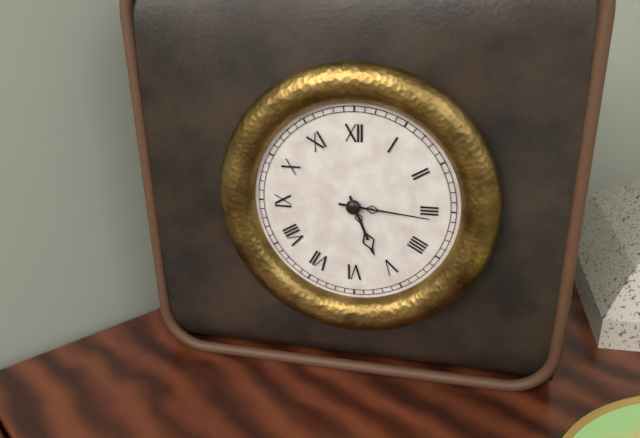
5:16
